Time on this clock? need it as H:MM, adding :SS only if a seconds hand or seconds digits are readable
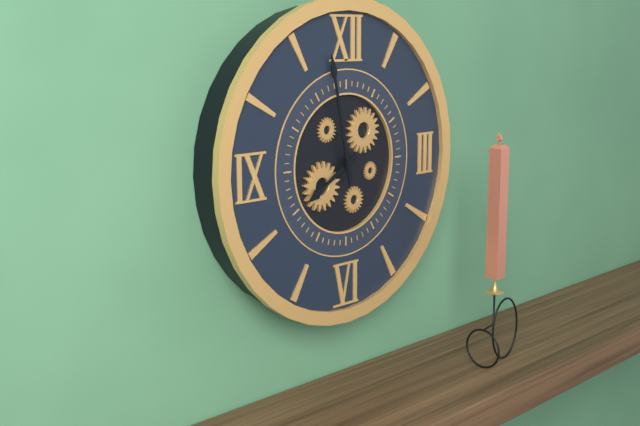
7:58
